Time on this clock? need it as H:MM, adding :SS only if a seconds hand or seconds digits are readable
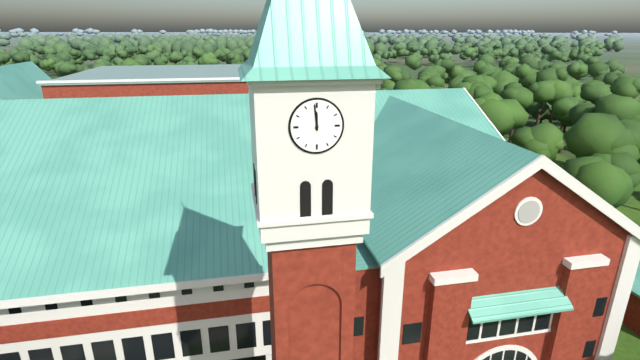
11:59
